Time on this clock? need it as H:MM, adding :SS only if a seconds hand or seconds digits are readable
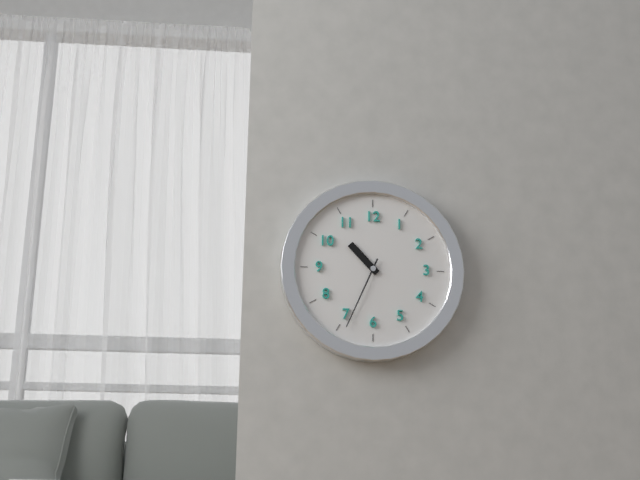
10:34
